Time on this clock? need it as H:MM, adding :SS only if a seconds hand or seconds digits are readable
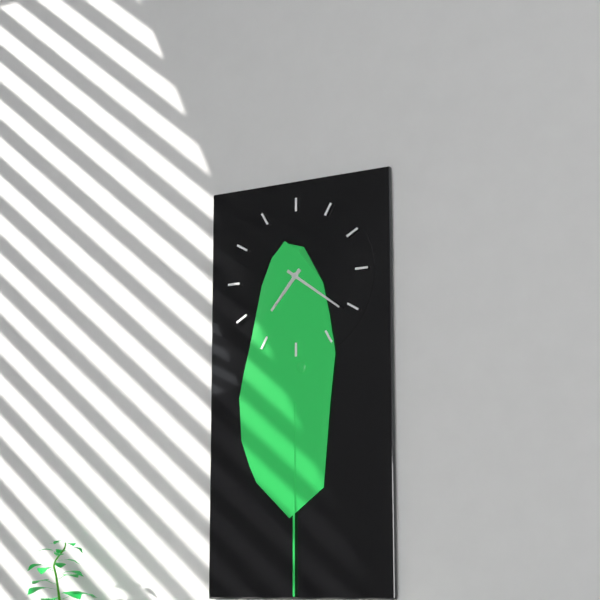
7:21
